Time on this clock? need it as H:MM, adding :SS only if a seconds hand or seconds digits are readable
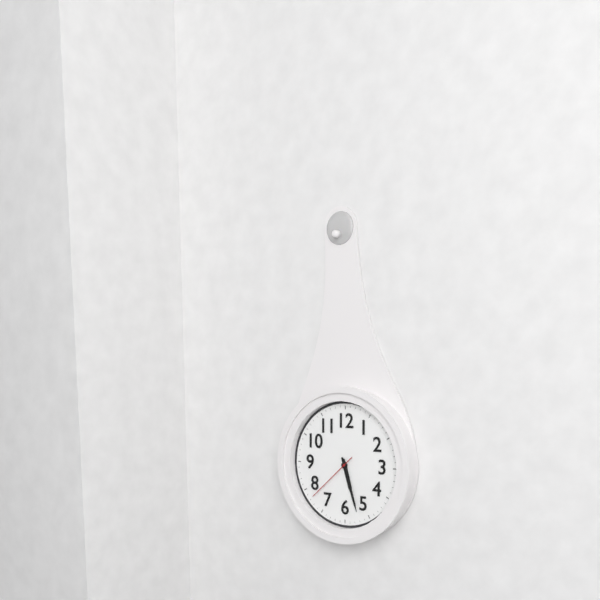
5:27:38
